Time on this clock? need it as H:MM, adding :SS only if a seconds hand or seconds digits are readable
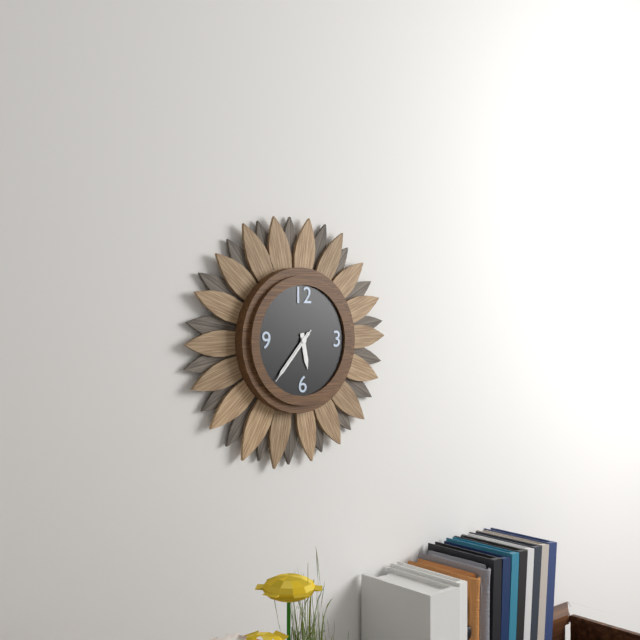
5:37:37
